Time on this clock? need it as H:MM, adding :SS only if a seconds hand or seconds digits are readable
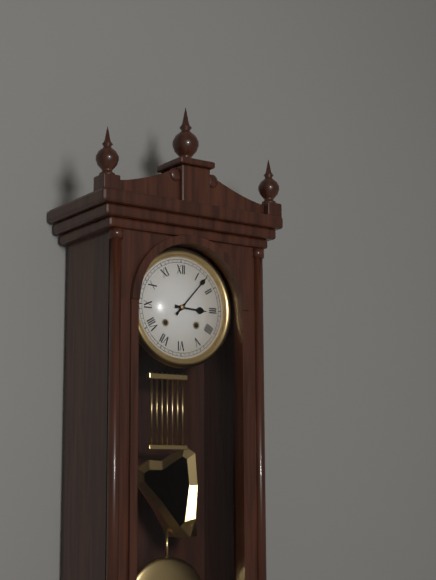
3:07
